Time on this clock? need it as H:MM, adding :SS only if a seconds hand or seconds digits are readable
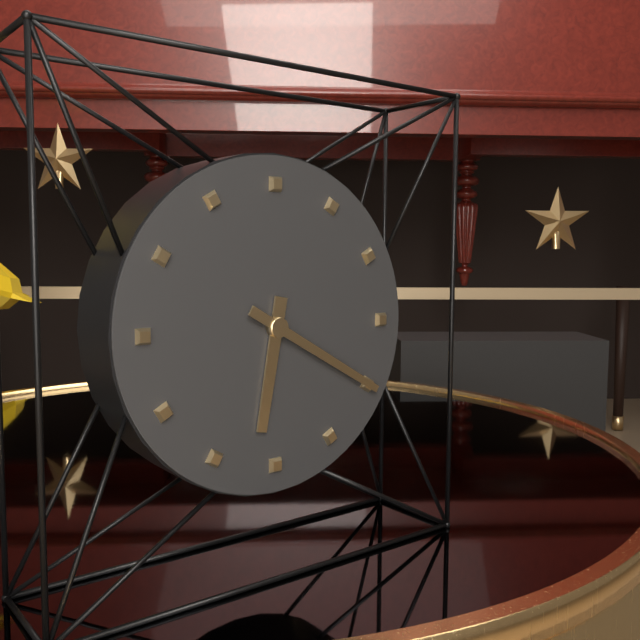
6:20
